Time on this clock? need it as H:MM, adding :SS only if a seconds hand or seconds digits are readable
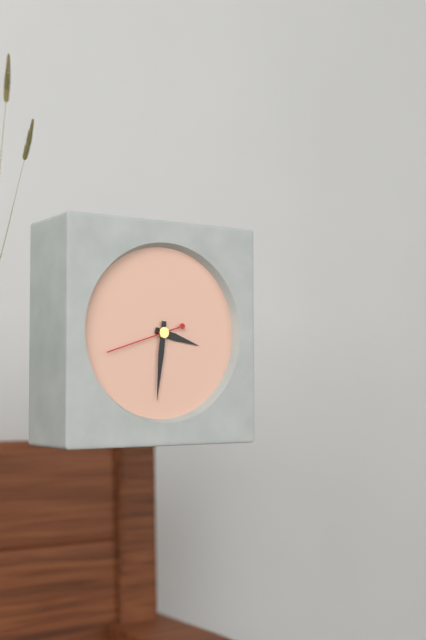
3:31:42
